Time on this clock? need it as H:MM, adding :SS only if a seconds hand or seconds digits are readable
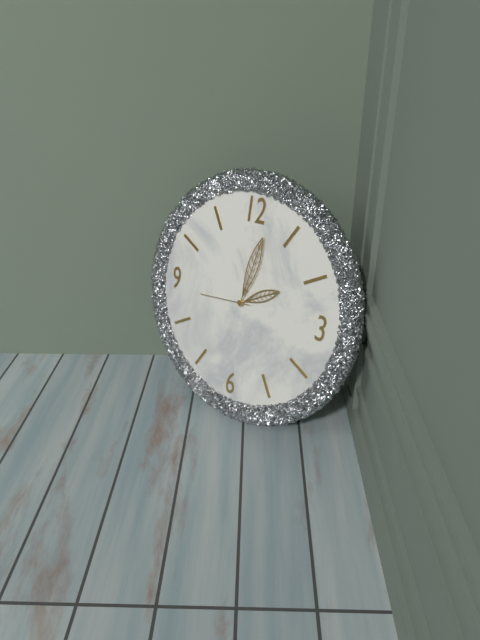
2:02:44
